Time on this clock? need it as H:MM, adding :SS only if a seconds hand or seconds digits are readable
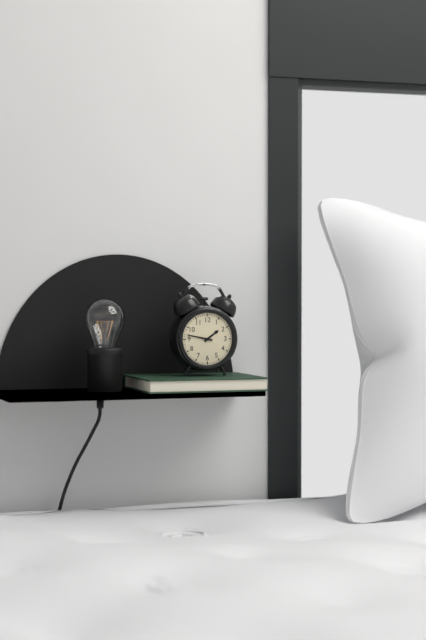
1:47
